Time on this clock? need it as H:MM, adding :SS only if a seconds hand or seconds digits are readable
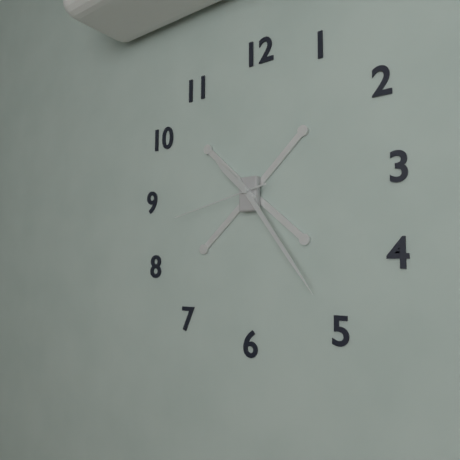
10:24:43
